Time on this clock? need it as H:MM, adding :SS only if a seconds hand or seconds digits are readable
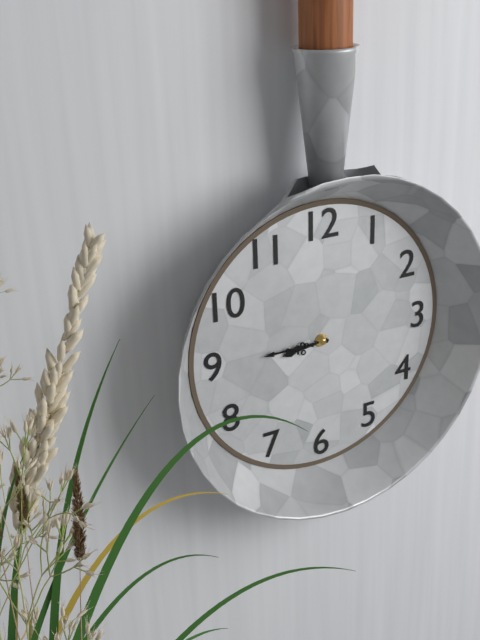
8:45
